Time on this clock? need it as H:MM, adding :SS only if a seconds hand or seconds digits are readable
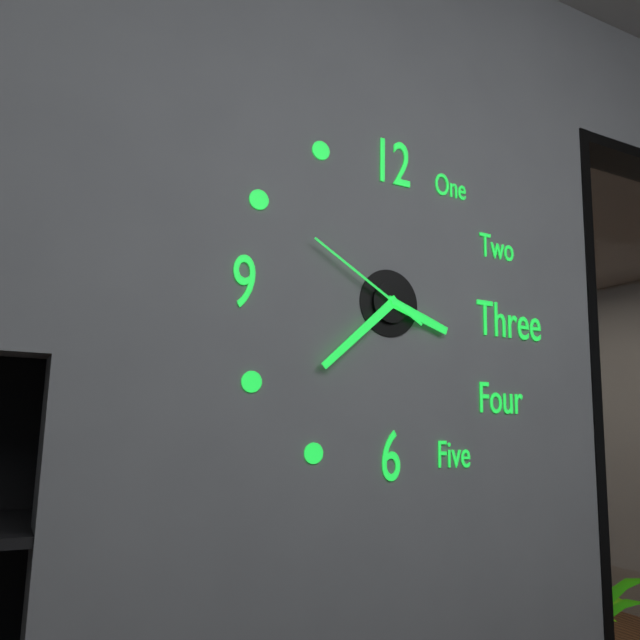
3:38:50
